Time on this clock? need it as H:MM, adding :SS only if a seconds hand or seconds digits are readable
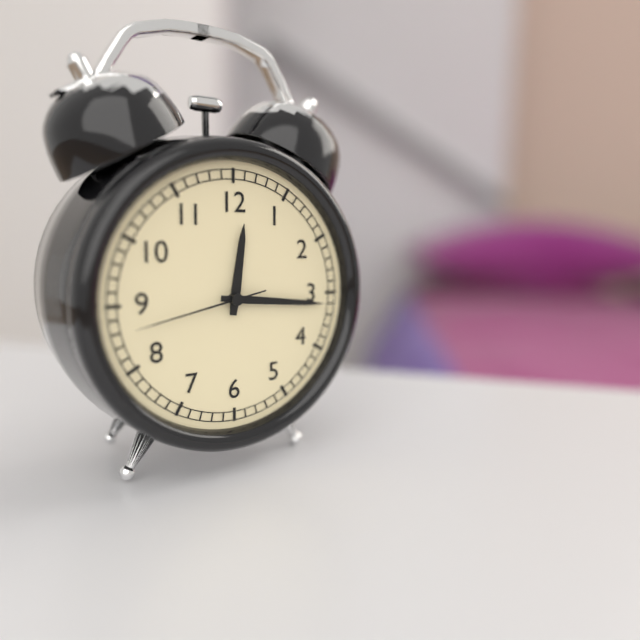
12:16:43
